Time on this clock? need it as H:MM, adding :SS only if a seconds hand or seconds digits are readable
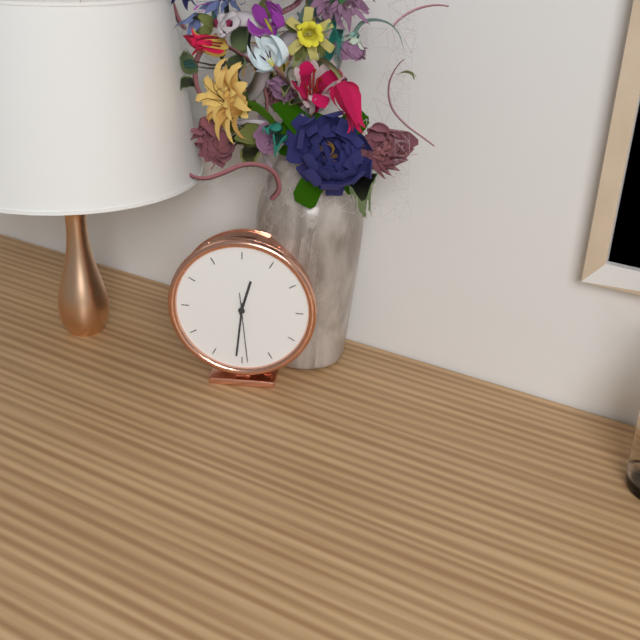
12:31:29
